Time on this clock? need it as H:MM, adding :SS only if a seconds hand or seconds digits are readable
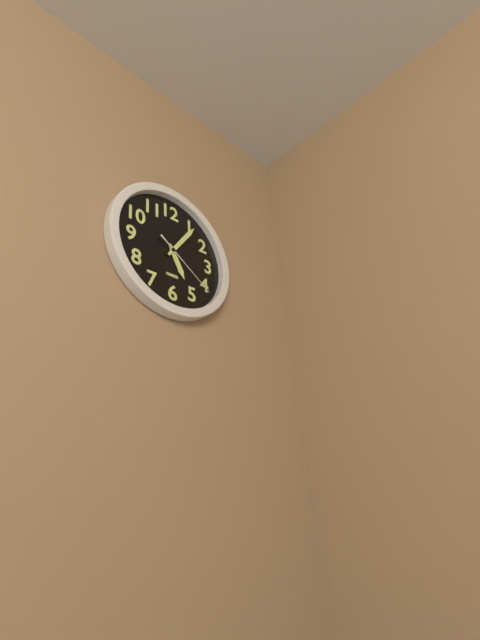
5:06:21
